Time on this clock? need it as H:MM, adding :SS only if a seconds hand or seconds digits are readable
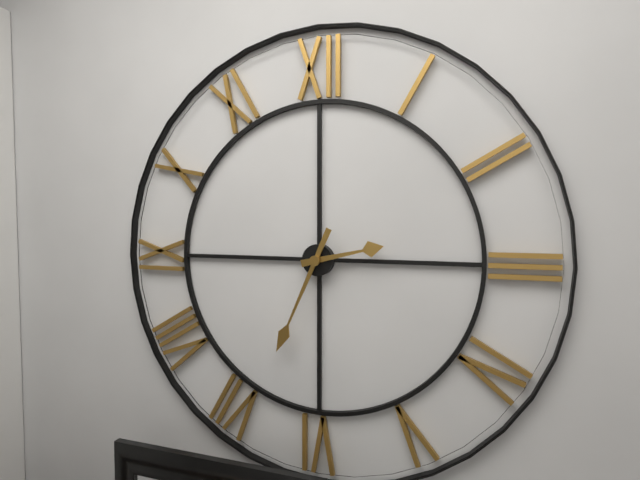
2:34
